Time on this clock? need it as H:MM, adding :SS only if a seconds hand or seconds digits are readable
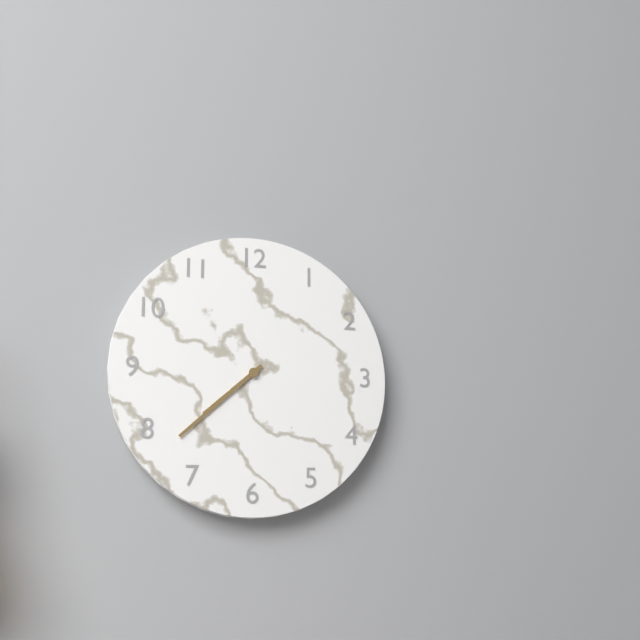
7:38
